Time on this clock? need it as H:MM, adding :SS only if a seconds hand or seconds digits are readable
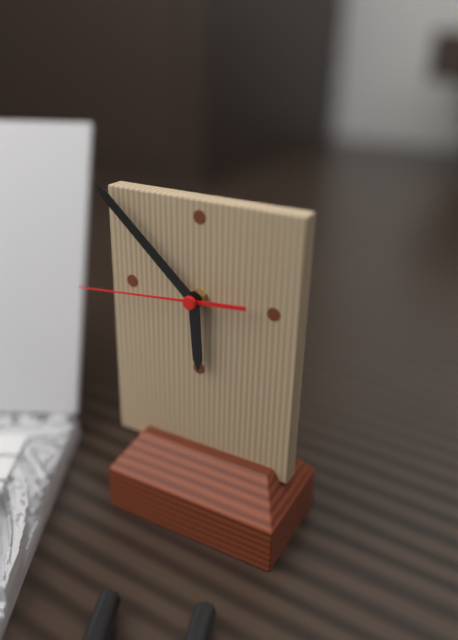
5:52:44
